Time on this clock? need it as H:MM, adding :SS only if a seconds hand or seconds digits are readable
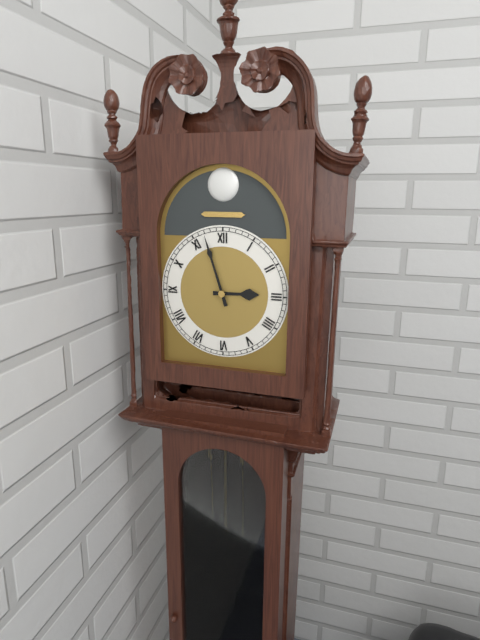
2:57
